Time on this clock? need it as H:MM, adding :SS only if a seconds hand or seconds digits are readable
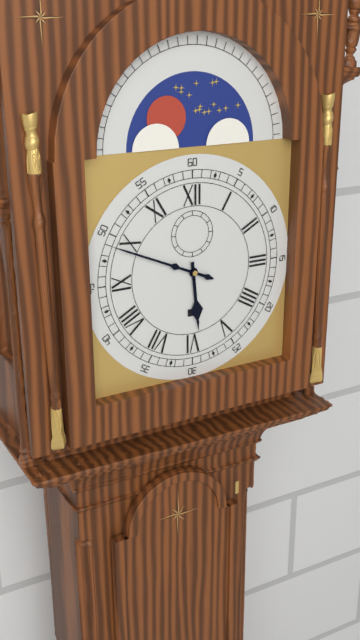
5:49
